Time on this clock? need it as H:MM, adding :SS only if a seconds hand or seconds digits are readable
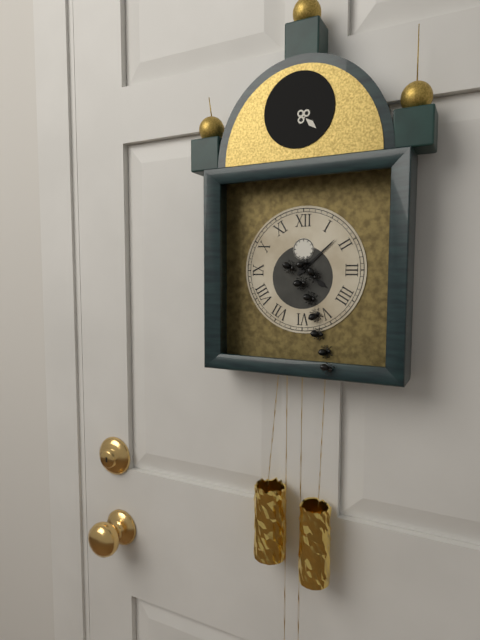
4:08
